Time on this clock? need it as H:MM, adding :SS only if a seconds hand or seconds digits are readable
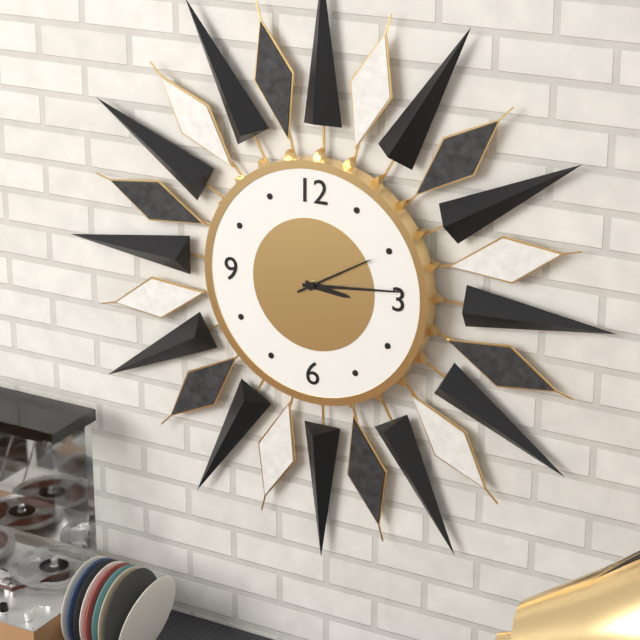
3:14:10
